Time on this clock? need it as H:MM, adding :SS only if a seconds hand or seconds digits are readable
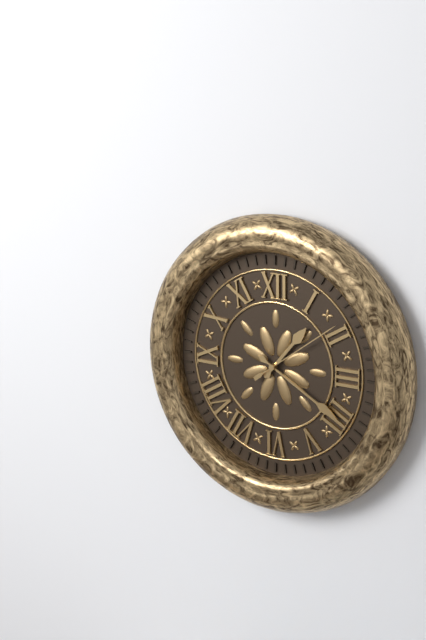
1:20:09
